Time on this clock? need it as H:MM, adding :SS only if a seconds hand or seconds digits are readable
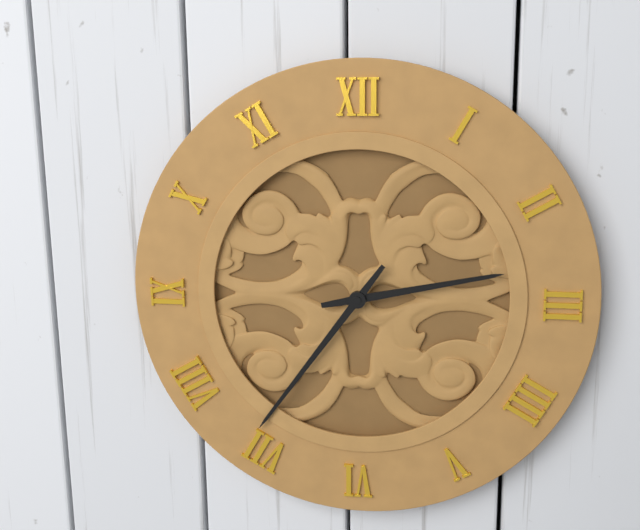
2:36
